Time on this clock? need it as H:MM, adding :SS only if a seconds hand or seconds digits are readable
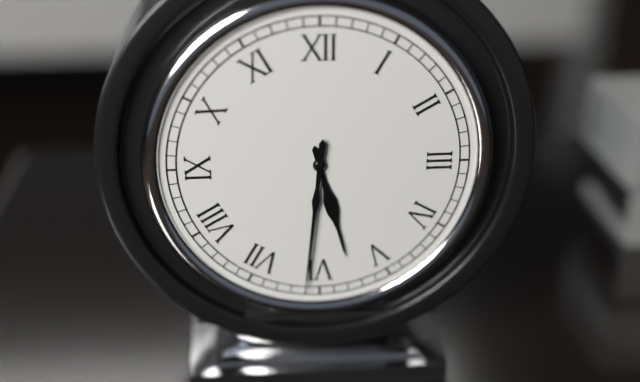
5:31
